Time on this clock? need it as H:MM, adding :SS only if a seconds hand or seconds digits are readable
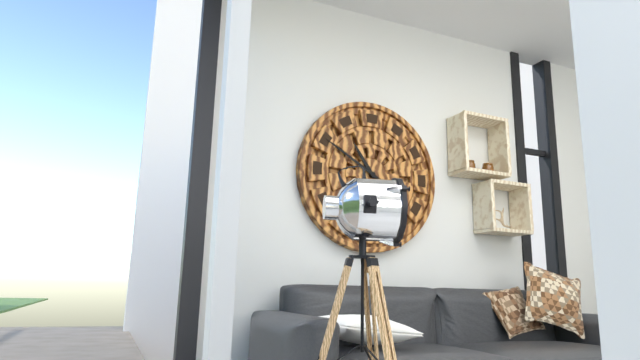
10:50
